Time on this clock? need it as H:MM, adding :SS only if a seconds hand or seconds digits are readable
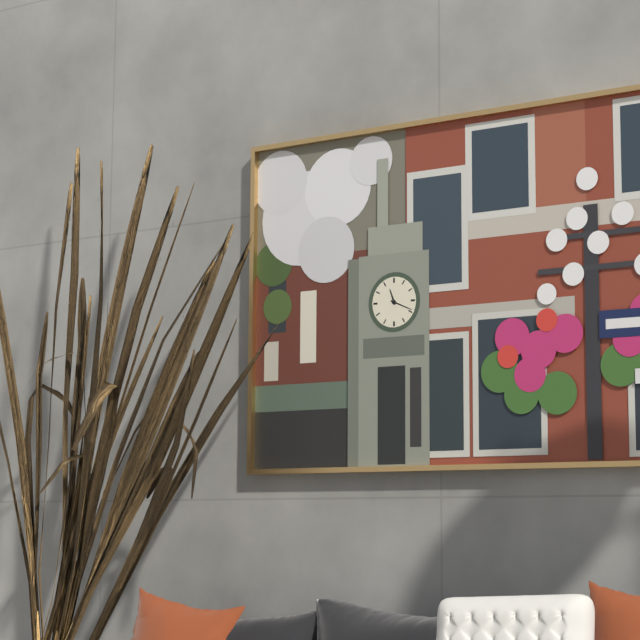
11:19
